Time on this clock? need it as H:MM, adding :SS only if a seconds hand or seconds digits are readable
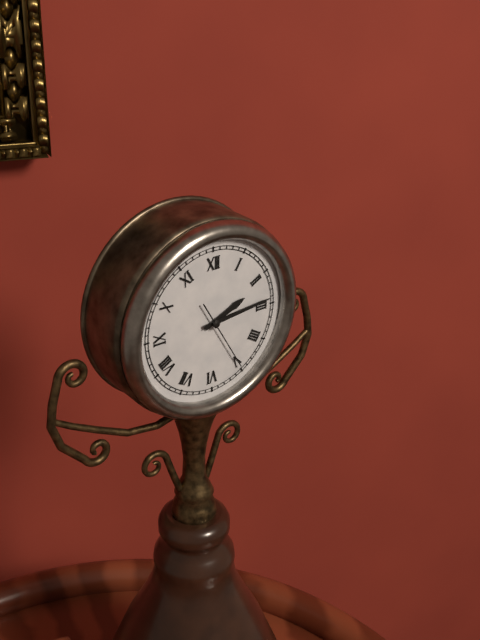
2:14:25
